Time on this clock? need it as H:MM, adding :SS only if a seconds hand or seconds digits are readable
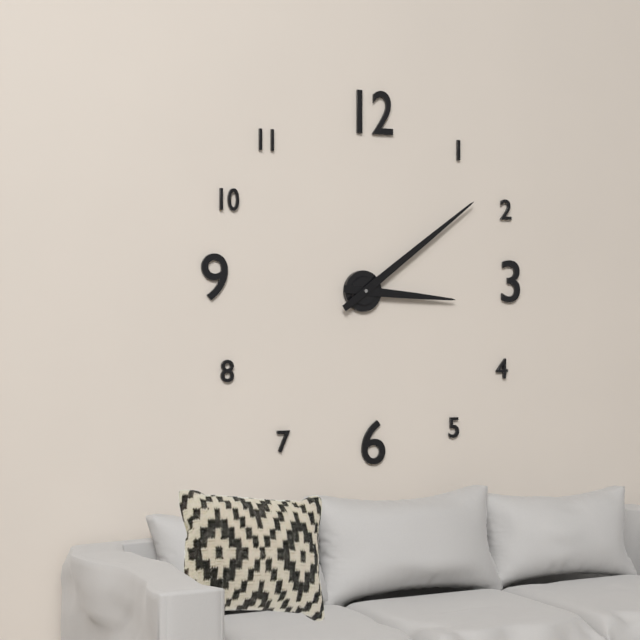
3:09
